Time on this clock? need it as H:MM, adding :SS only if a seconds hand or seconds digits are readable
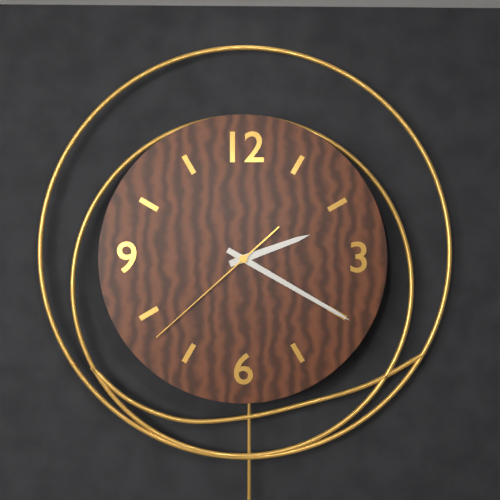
2:20:38
